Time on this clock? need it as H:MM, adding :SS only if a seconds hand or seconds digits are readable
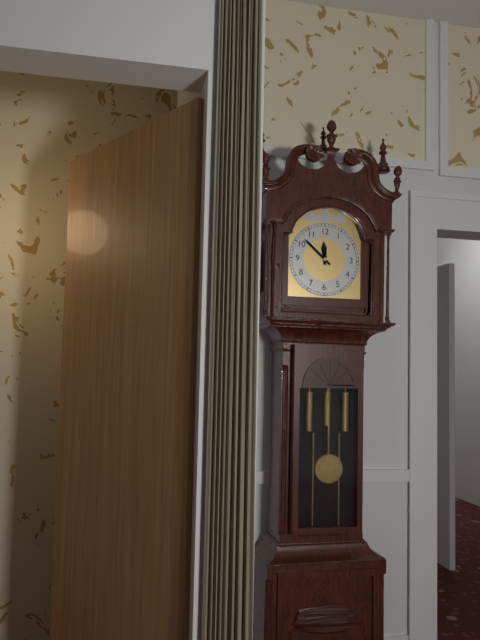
11:52
